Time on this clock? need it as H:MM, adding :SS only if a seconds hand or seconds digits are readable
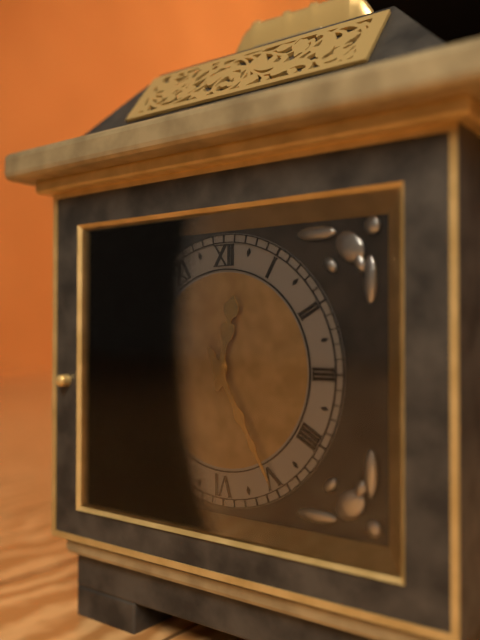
12:25
